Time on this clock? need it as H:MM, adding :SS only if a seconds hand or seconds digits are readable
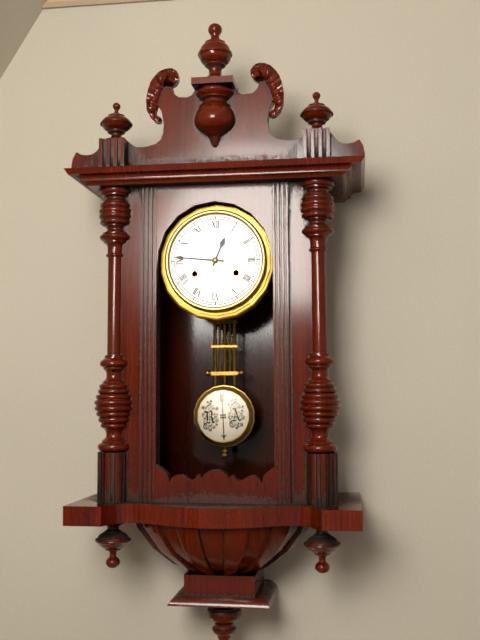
12:46
